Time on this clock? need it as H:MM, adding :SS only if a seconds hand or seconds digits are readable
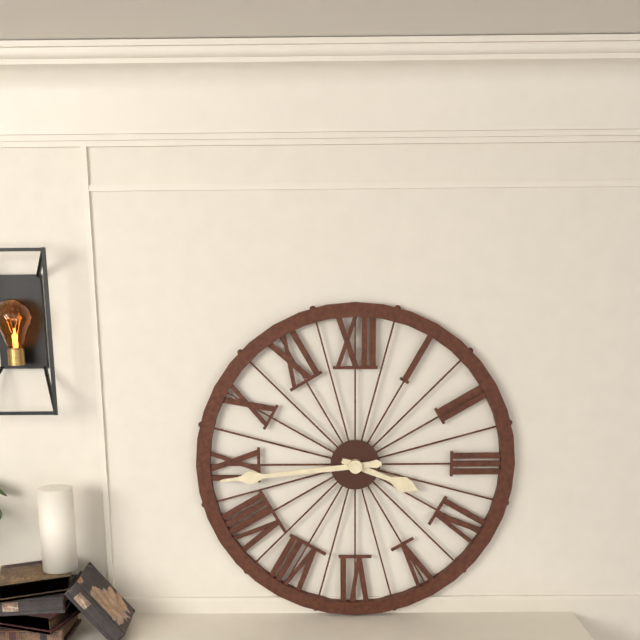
3:44
